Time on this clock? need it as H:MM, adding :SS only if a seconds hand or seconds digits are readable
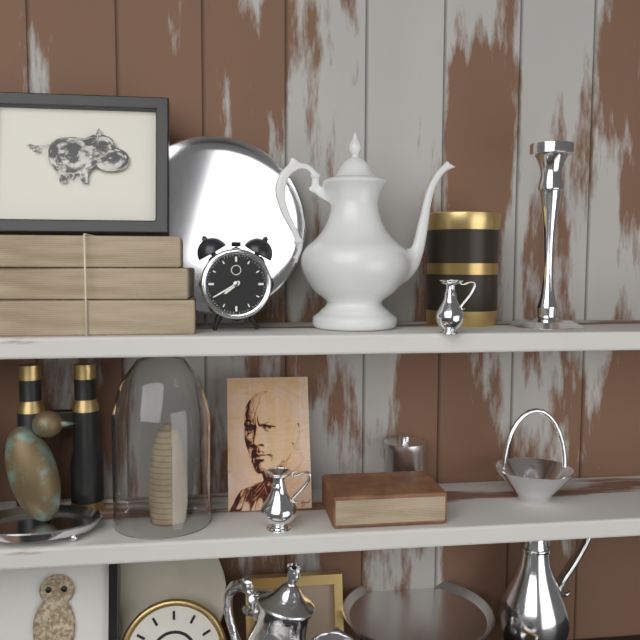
7:40
